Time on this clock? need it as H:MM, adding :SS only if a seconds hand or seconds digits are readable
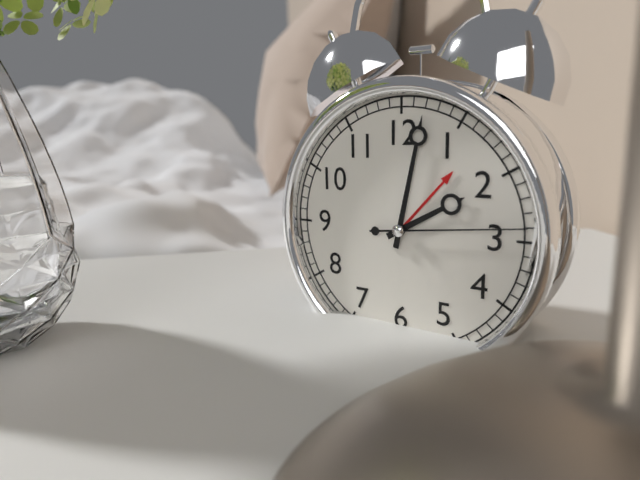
2:02:14
